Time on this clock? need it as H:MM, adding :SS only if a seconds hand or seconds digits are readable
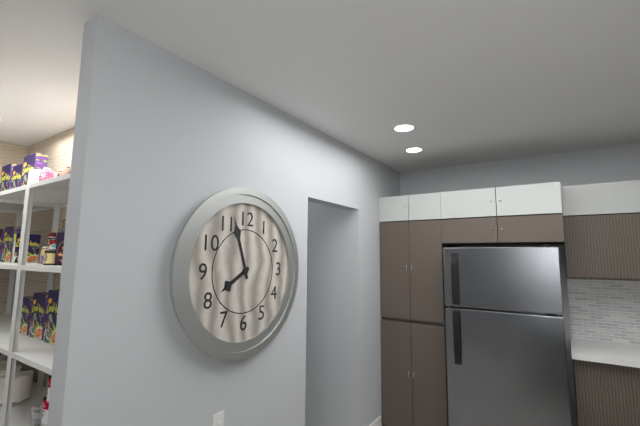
7:57
